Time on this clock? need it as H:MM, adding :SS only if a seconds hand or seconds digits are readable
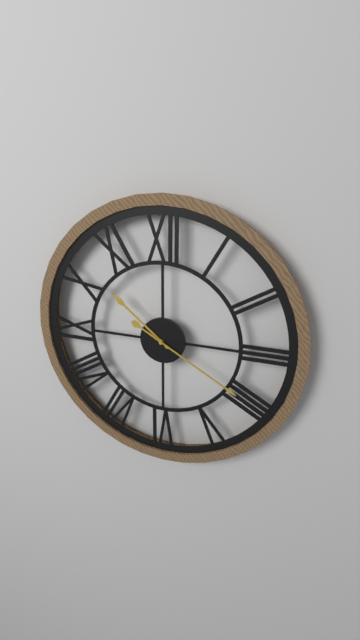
10:20
